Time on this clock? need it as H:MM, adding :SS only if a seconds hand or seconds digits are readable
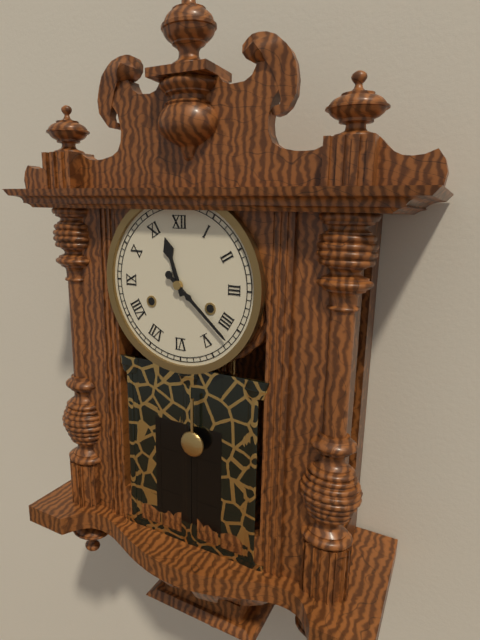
11:22
